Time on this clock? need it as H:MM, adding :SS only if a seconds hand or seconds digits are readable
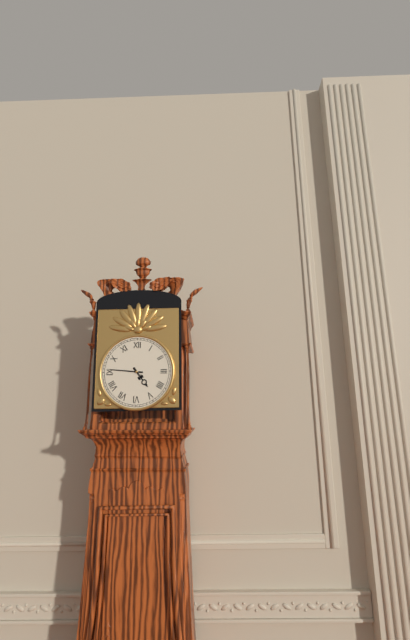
4:46
